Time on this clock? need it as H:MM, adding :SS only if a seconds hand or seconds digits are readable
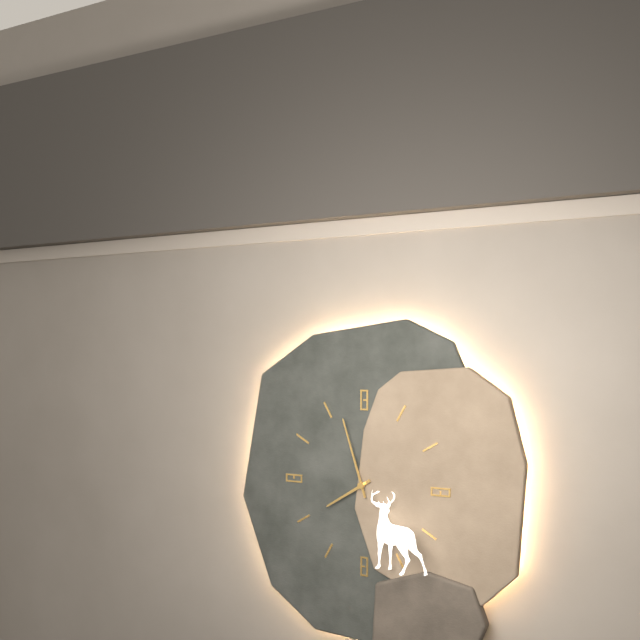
7:57
